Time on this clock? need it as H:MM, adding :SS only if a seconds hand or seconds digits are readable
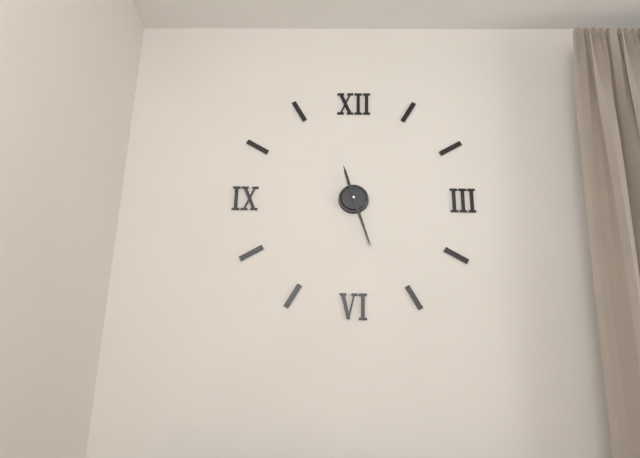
11:27
